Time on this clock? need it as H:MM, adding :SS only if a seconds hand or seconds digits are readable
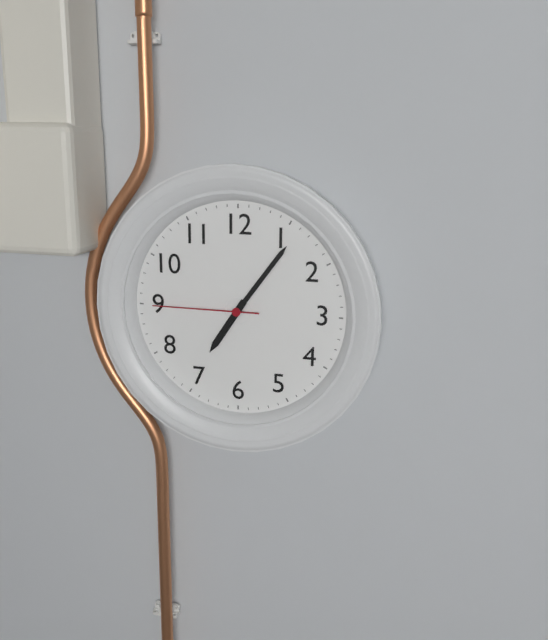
7:06:45
